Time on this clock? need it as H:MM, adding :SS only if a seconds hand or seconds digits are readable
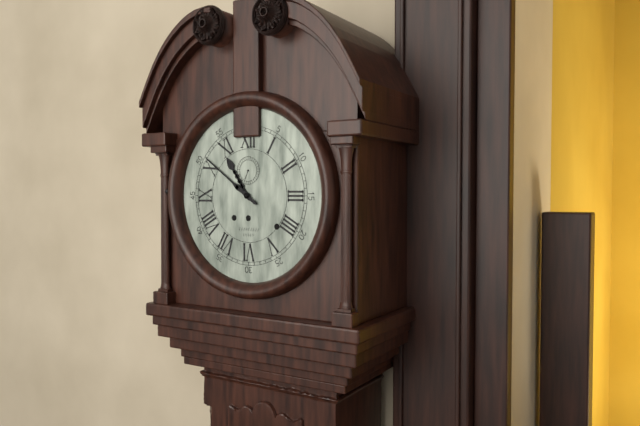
10:51
